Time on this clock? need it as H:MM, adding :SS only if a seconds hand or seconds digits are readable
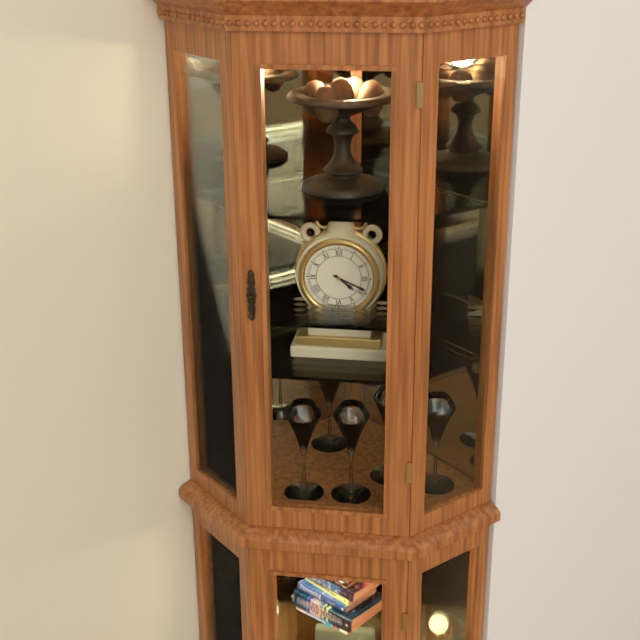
4:19
